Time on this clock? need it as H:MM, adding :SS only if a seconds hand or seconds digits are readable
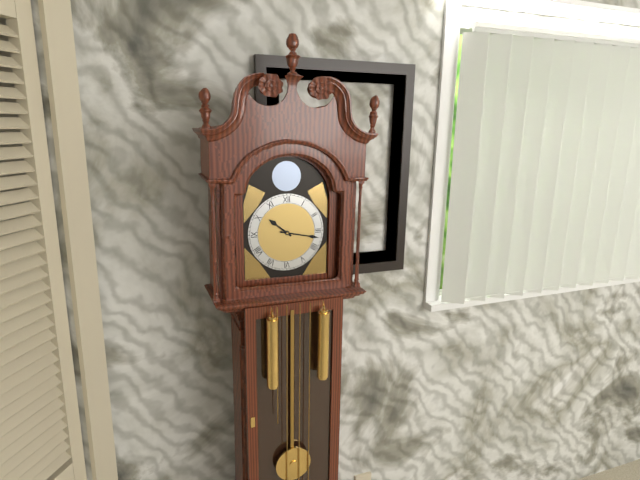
10:17
